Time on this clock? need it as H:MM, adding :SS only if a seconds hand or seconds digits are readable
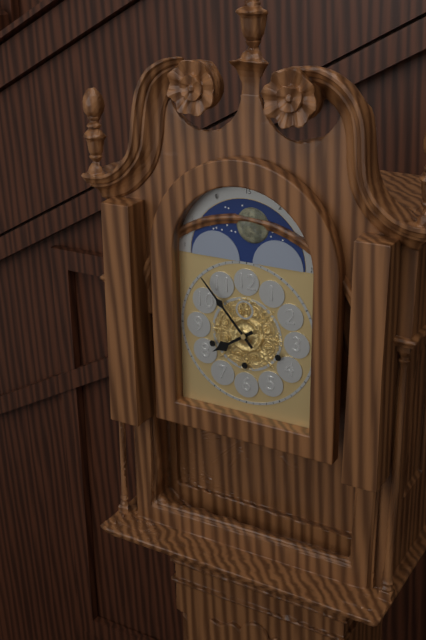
7:53
